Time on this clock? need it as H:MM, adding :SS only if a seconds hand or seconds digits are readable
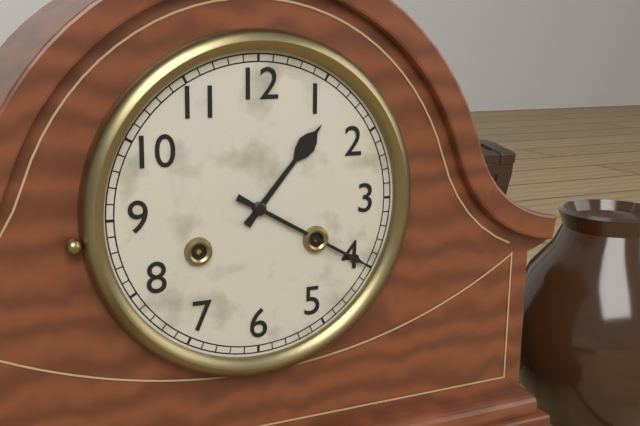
1:20
